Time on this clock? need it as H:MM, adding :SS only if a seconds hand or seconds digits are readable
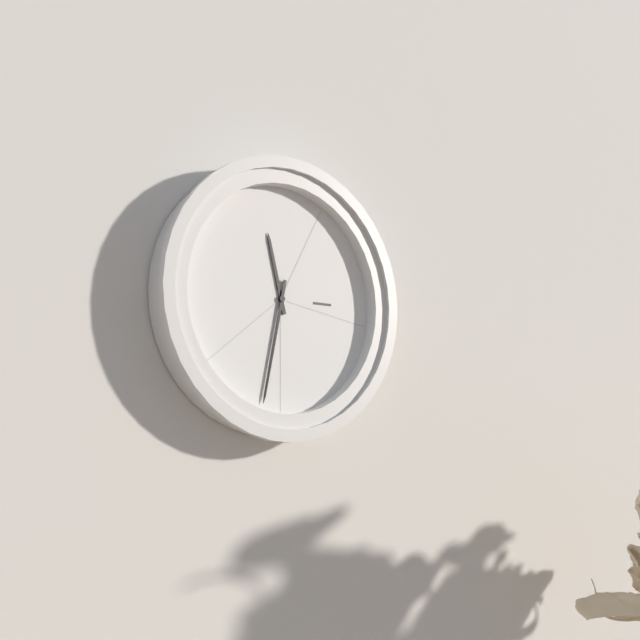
11:32
